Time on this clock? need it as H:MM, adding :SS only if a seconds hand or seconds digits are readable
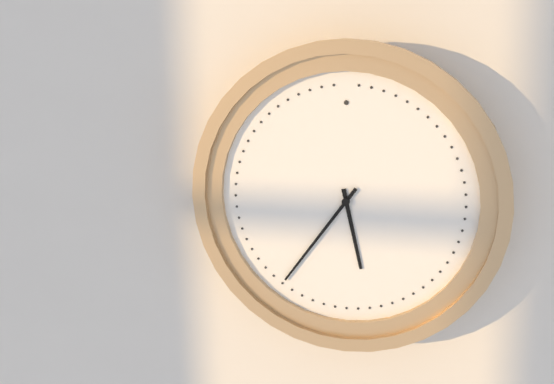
5:36
